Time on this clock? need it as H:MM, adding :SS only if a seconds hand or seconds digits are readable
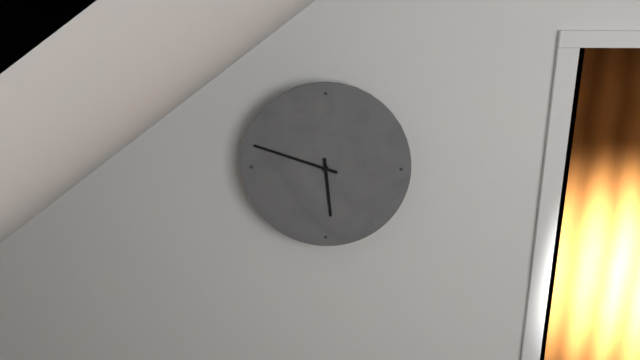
5:48
